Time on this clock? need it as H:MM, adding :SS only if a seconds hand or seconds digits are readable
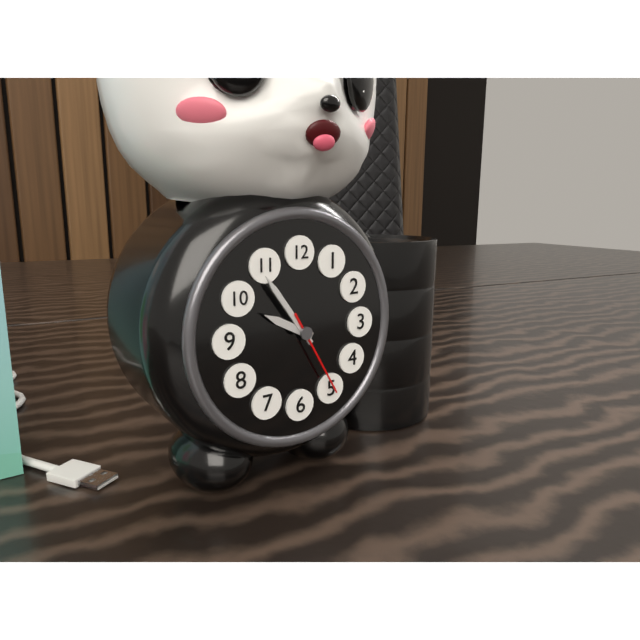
9:54:25
